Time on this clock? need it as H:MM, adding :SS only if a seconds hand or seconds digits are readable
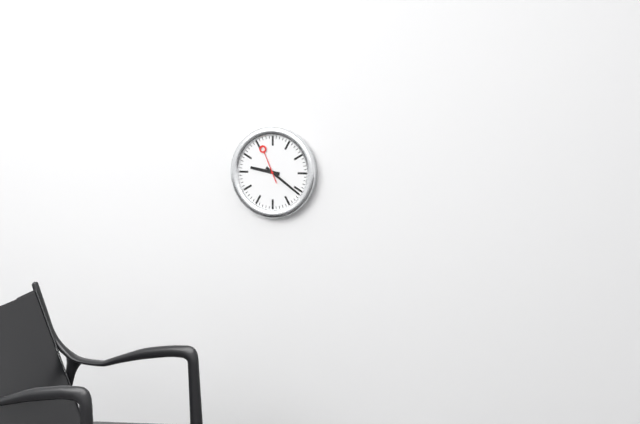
9:21
